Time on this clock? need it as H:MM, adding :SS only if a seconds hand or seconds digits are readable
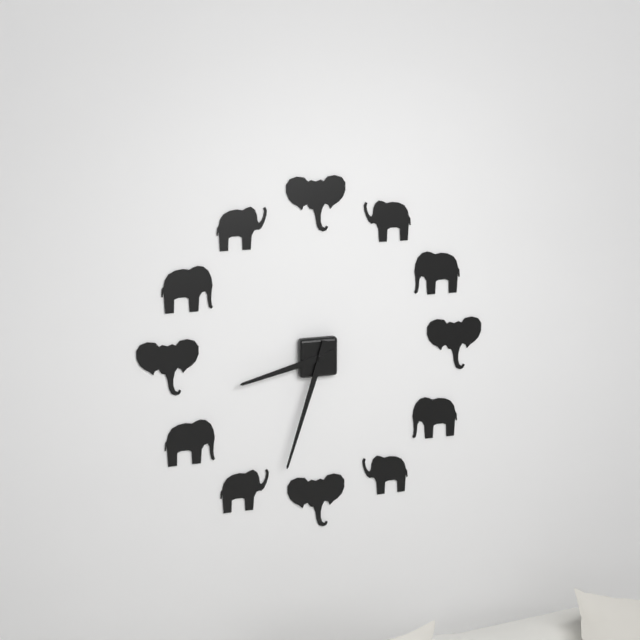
8:33
